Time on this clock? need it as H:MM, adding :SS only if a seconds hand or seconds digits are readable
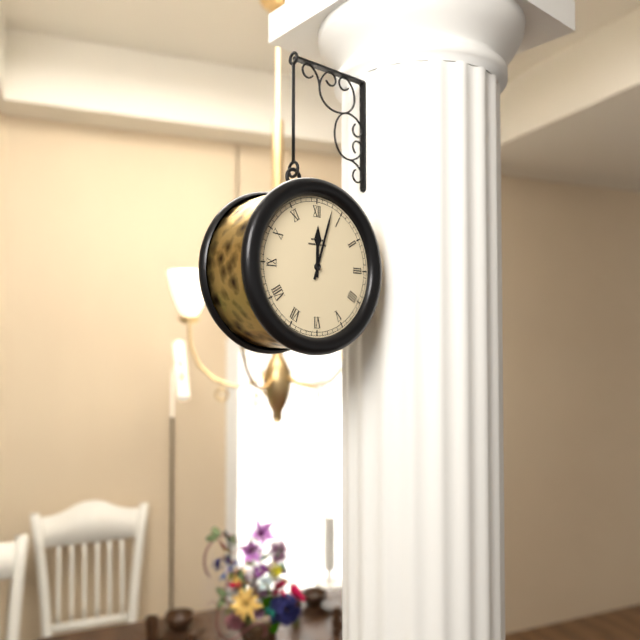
12:03
